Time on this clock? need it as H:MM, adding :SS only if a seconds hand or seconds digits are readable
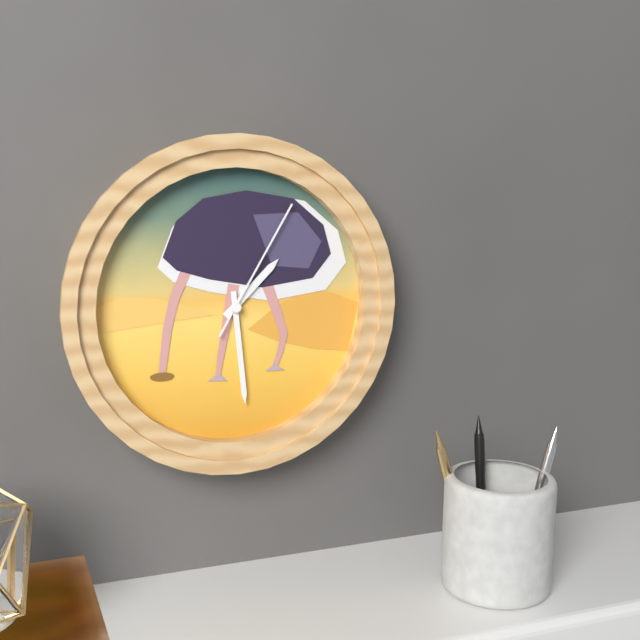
1:29:05
